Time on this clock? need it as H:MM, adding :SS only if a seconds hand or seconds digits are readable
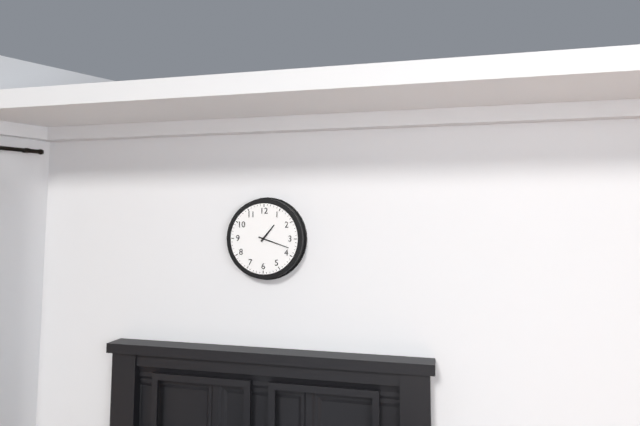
1:18
